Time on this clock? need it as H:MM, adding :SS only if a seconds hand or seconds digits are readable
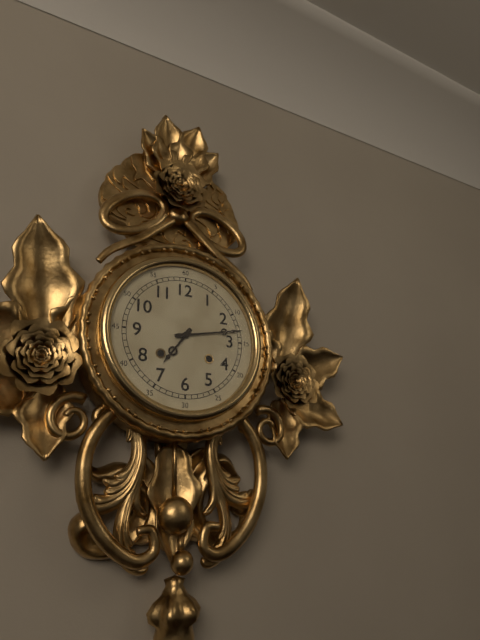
7:13
